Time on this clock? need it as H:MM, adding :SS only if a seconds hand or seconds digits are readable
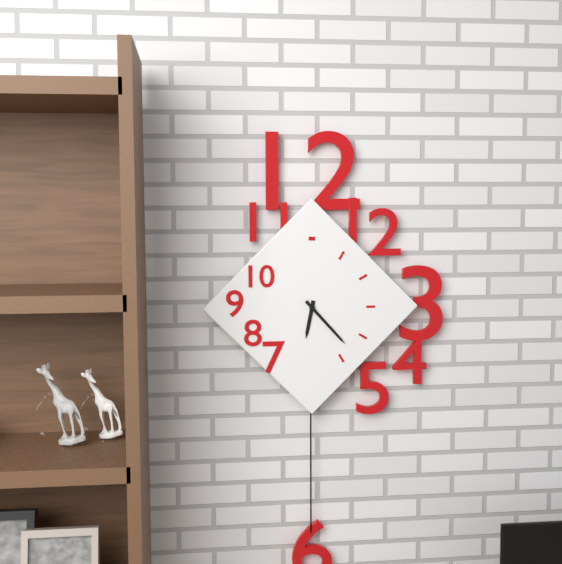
6:23
